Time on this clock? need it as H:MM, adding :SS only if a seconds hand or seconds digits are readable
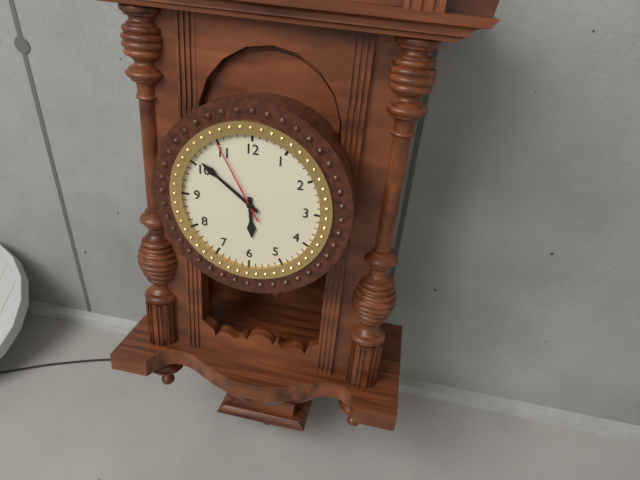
5:51:55
